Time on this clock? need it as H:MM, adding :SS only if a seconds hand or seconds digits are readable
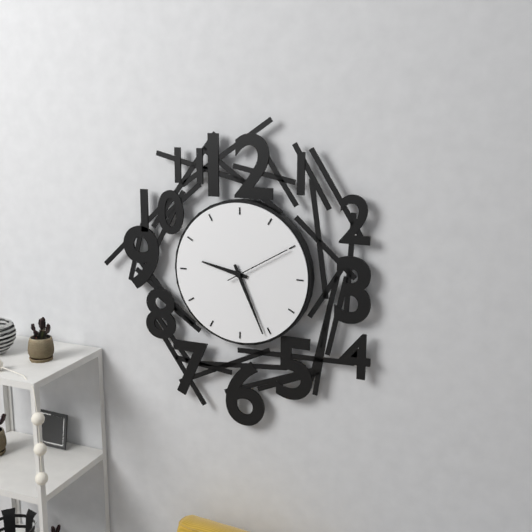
9:26:10
